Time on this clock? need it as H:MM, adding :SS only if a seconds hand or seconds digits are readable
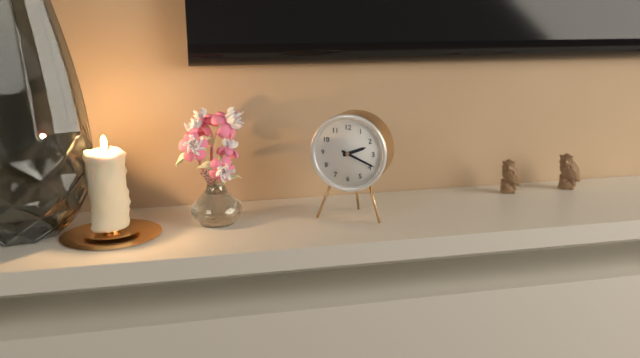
2:19
